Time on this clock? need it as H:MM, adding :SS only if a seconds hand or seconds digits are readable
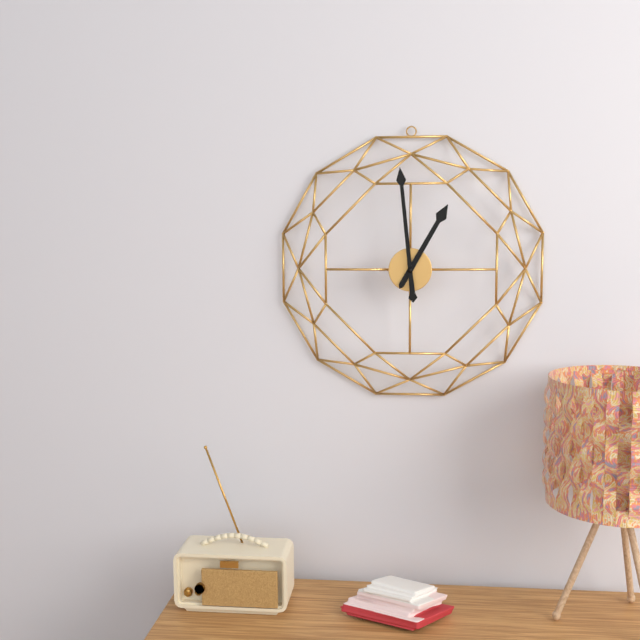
12:59
